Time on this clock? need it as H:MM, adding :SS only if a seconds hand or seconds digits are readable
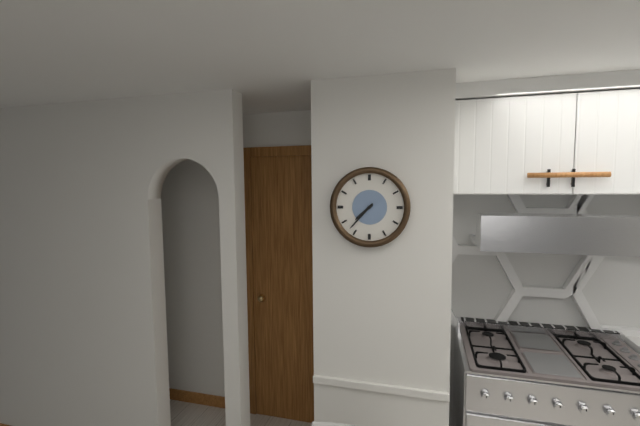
7:37
